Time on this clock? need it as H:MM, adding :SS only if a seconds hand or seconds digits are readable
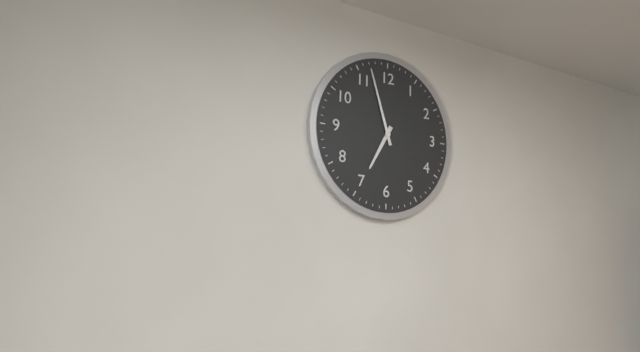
6:57
